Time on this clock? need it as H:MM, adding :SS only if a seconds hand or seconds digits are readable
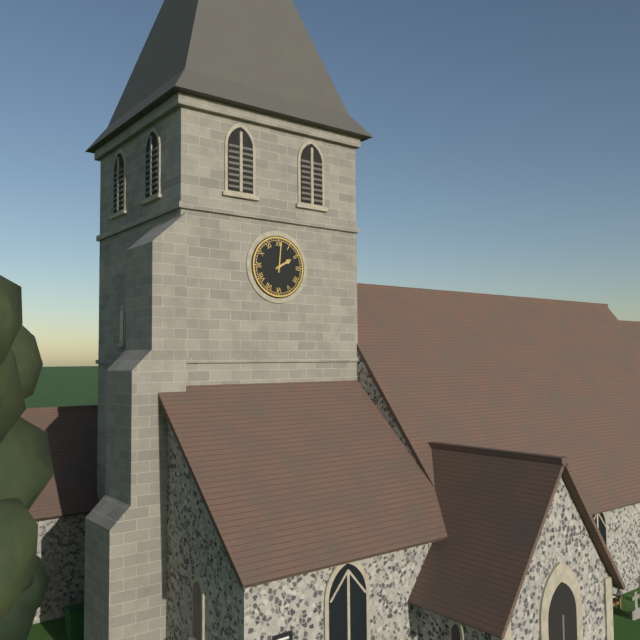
2:01
